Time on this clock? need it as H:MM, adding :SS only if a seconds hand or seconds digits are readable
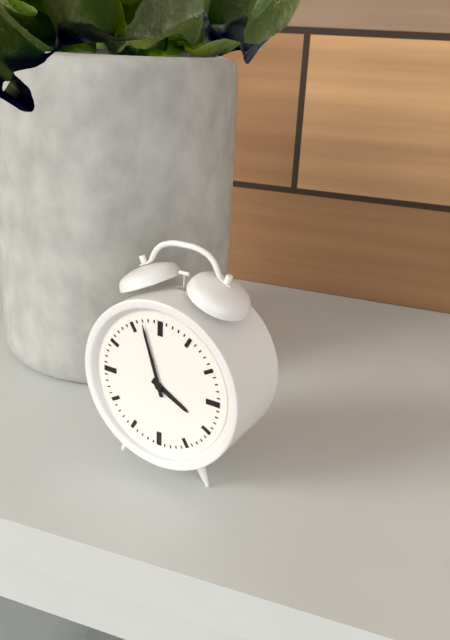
3:57
